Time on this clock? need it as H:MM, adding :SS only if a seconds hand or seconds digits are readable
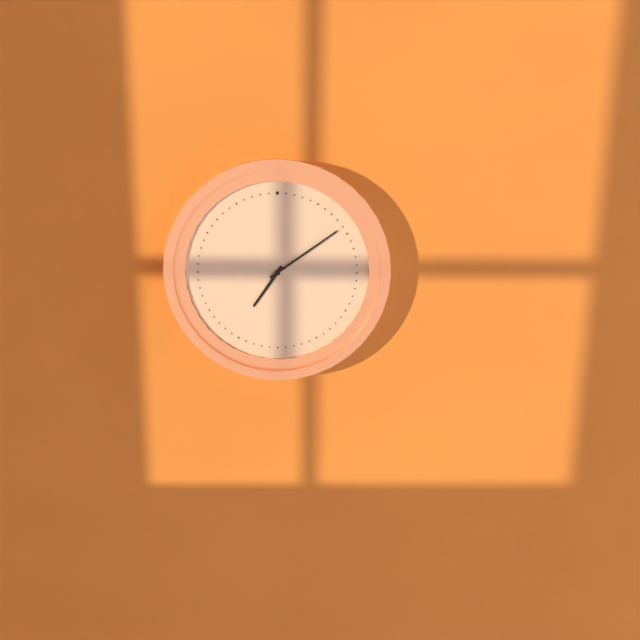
7:09
